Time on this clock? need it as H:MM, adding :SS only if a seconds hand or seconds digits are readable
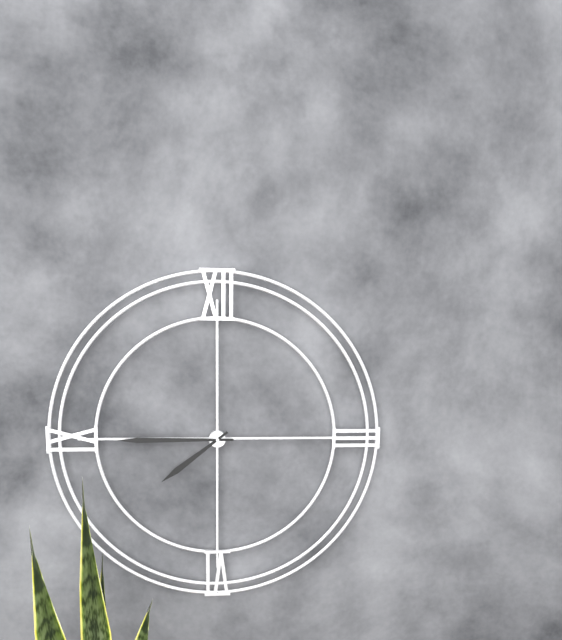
7:45
